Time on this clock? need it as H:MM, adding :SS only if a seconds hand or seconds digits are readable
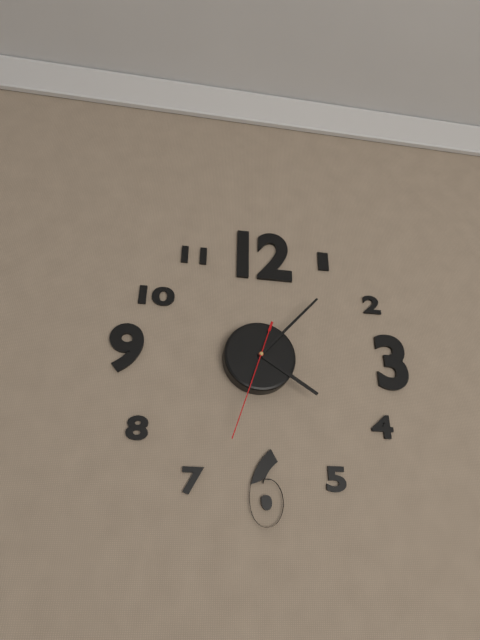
4:07:33
